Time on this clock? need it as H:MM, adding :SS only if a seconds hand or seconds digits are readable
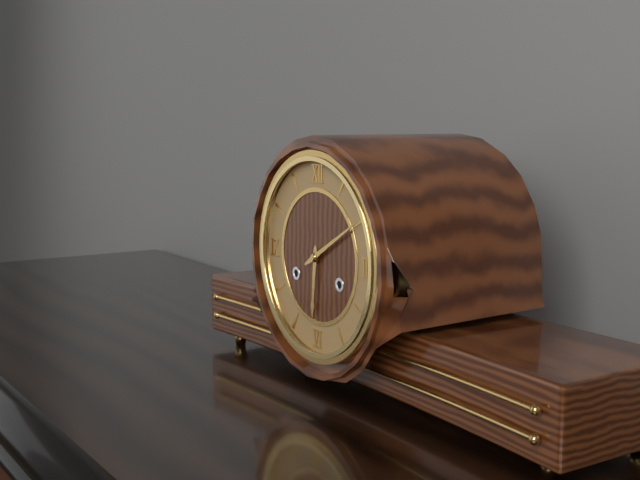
6:10
